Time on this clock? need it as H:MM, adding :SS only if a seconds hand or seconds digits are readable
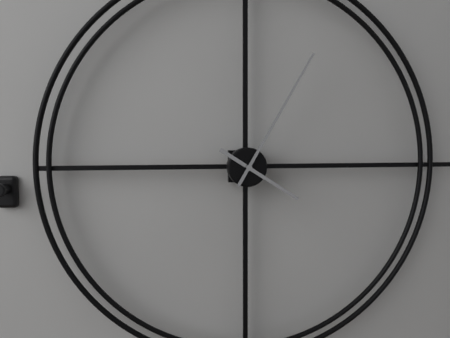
4:05
